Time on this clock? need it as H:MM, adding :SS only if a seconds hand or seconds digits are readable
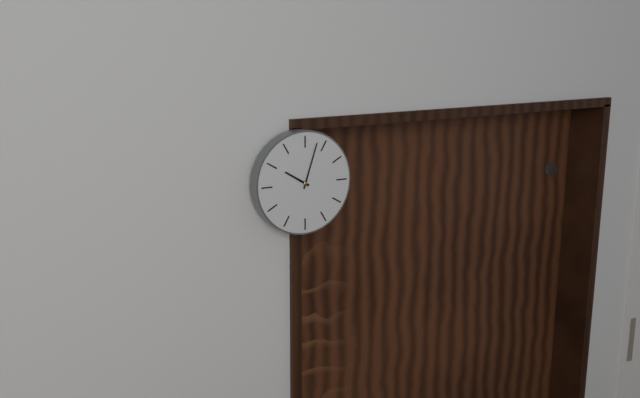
10:03
